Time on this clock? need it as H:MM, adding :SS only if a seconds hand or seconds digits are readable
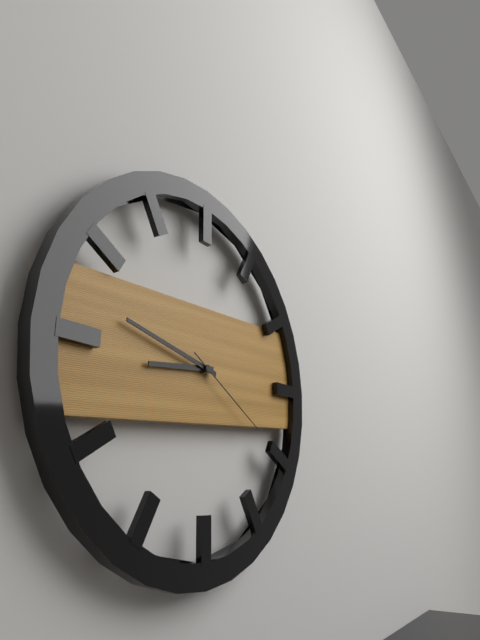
8:47:20
